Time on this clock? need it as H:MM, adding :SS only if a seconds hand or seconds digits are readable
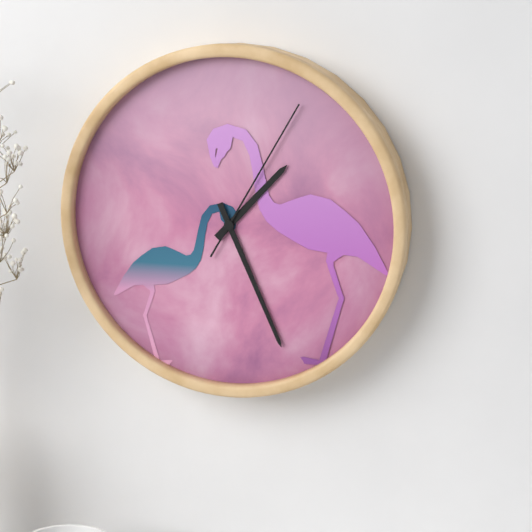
1:26:05
